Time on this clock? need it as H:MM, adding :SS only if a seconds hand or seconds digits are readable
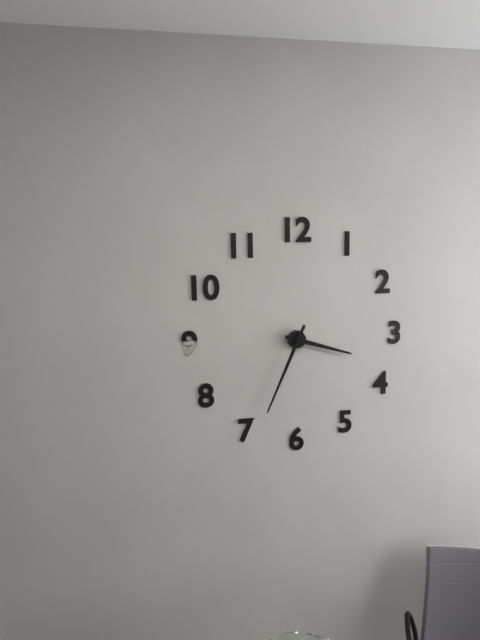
3:34
